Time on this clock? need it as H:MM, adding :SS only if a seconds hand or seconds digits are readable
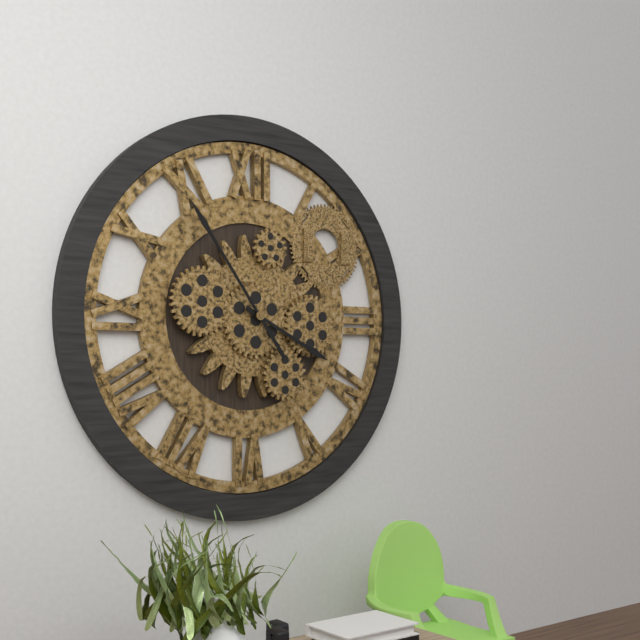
3:54
